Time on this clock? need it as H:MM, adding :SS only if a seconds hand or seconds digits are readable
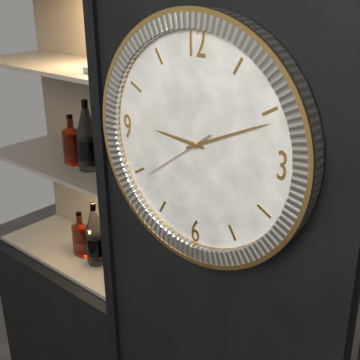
9:11:39
